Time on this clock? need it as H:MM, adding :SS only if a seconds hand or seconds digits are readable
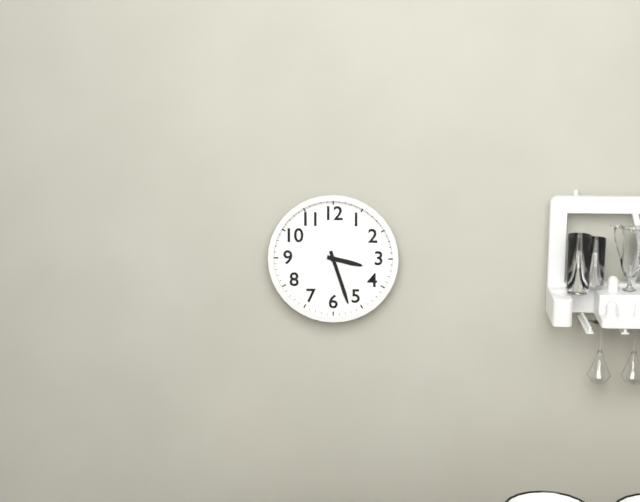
3:27
